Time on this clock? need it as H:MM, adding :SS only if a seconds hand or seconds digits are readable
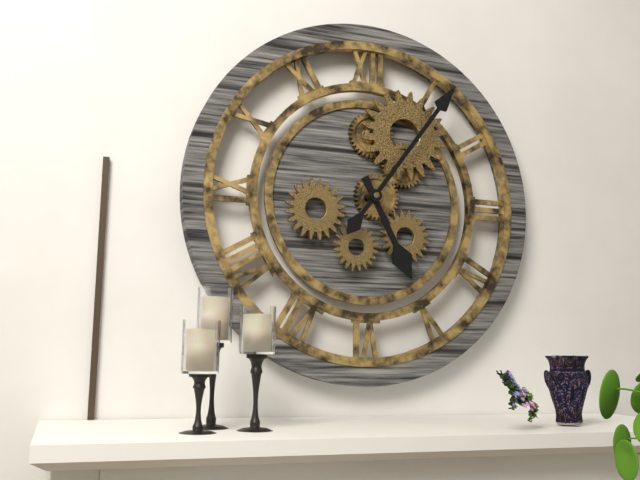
5:06
